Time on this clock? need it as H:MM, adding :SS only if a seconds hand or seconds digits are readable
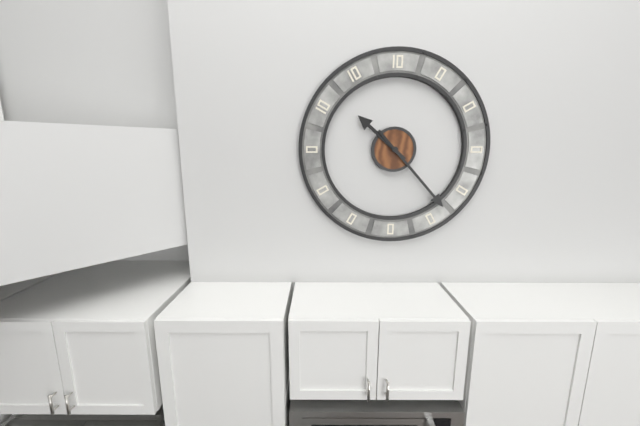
10:23
